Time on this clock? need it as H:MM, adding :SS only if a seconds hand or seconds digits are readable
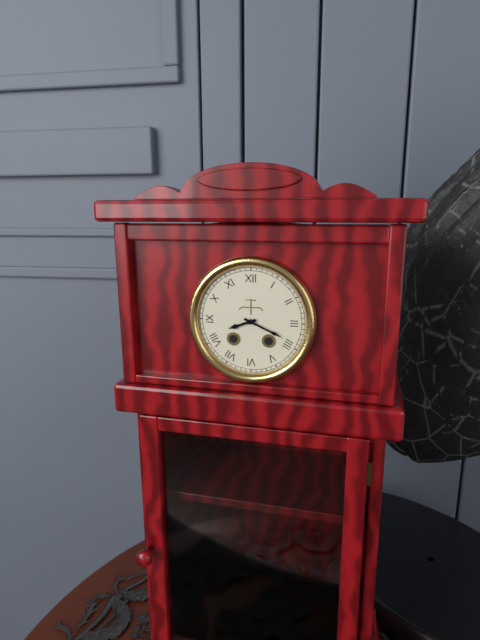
8:19
